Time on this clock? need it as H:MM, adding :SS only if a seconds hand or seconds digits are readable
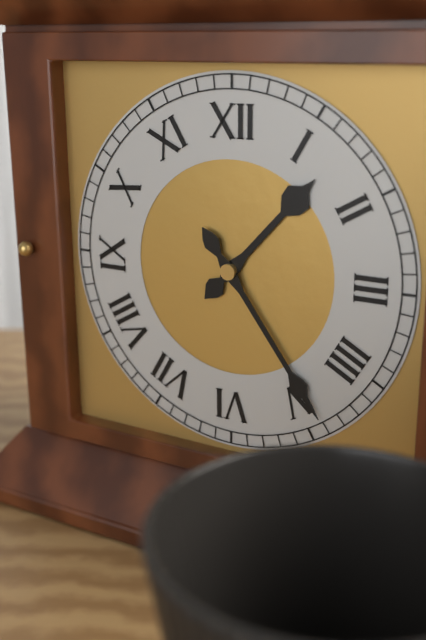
1:24
